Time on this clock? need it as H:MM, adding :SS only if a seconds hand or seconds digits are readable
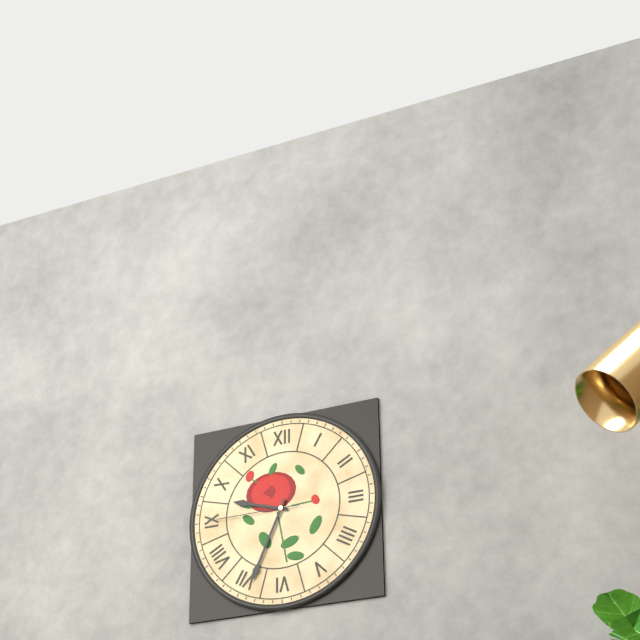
9:34:45
